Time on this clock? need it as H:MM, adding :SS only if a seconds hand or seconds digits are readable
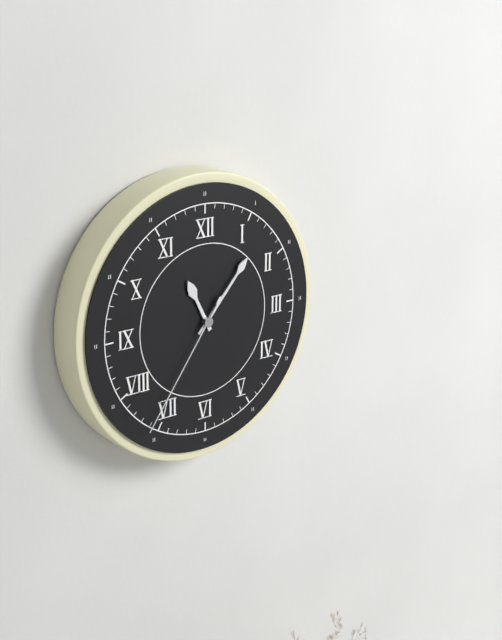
11:07:36
